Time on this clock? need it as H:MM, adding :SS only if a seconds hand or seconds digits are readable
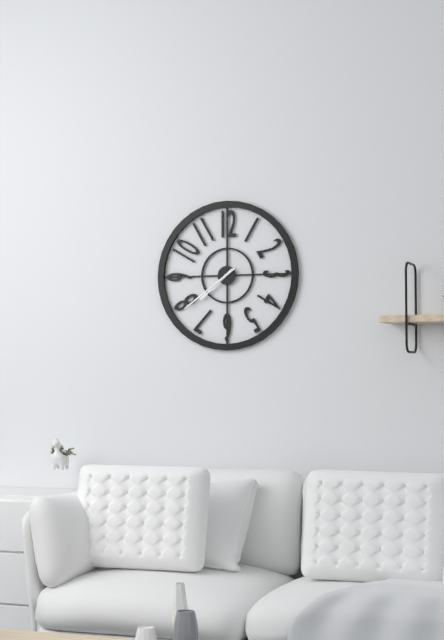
7:39
